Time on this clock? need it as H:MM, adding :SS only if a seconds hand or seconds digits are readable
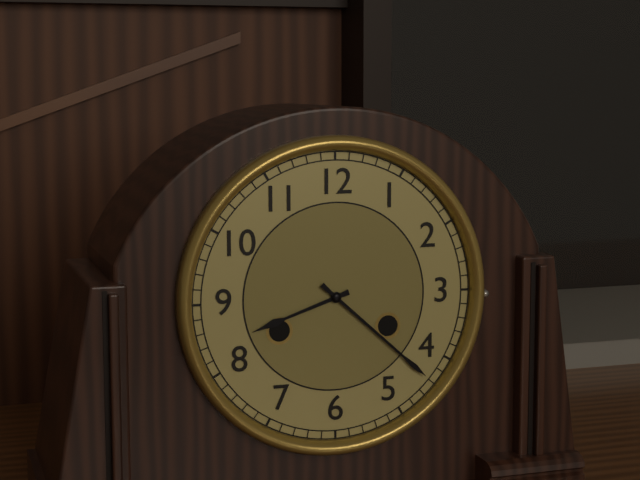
8:22
